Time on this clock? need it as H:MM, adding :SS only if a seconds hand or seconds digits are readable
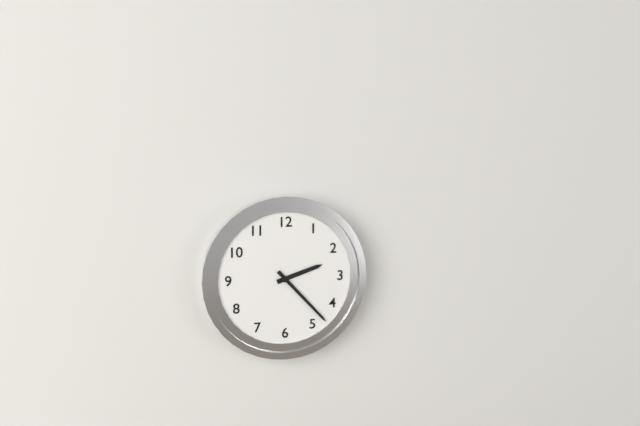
2:23
